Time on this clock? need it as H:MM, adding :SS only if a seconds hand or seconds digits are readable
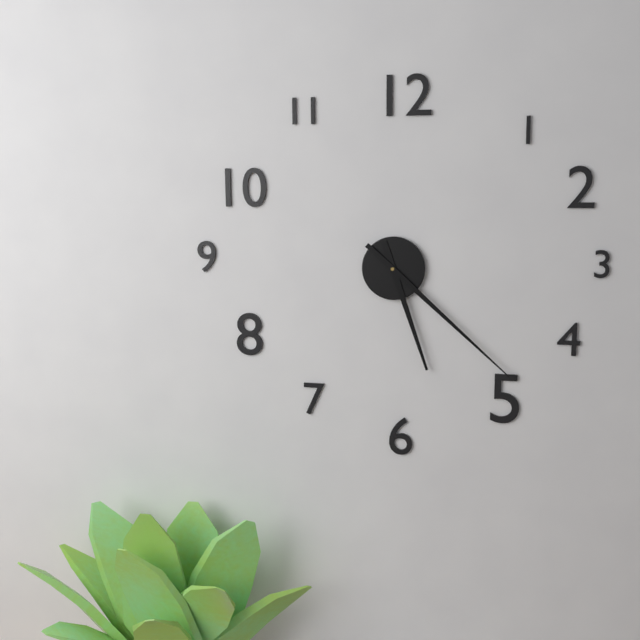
5:22
